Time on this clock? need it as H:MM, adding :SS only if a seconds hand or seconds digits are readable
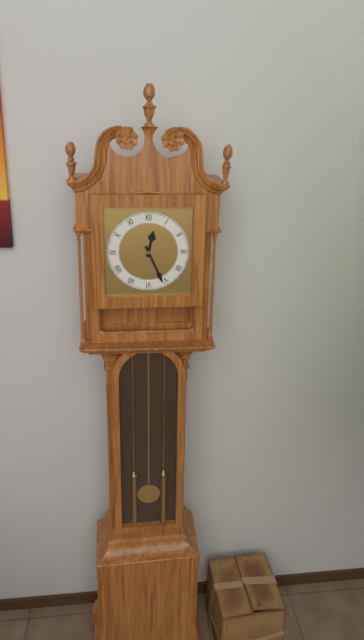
12:26
